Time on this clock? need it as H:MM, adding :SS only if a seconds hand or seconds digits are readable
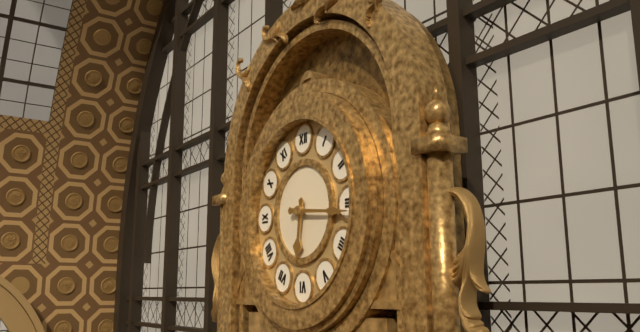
6:16
